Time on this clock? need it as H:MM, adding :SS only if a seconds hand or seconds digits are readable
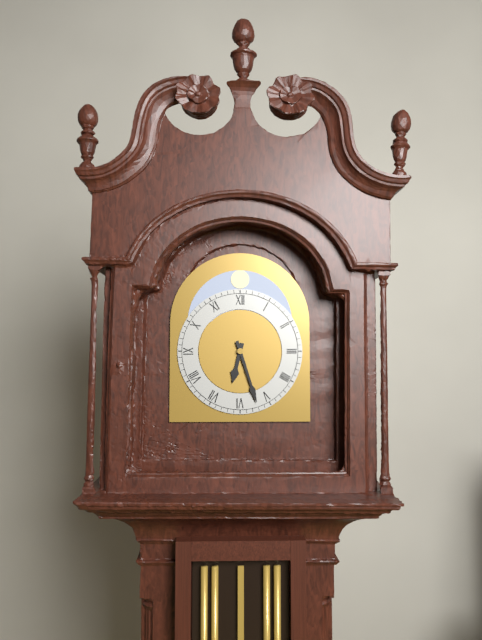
6:27
